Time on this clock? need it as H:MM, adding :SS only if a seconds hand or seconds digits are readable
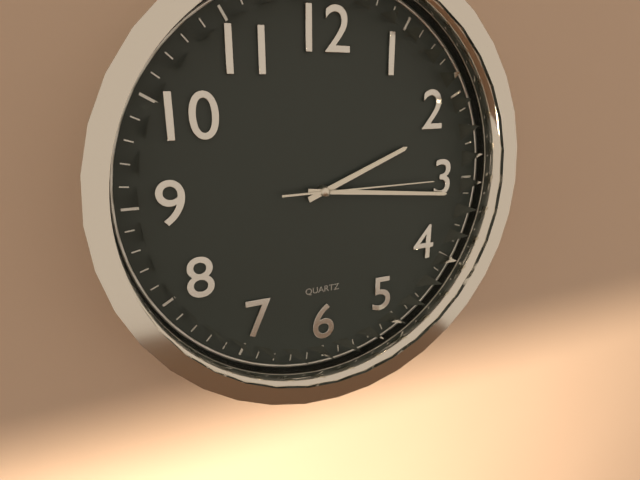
2:16:15
